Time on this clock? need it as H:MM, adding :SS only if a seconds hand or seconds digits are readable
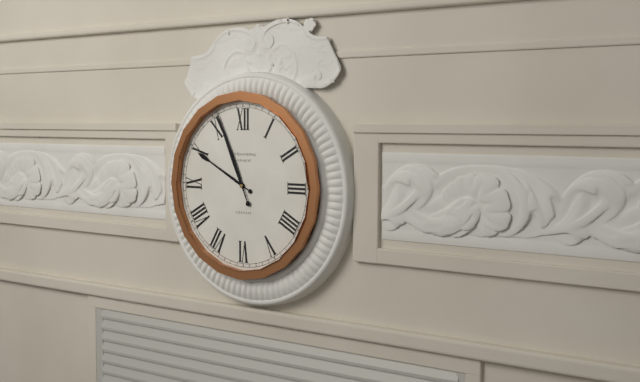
9:56
